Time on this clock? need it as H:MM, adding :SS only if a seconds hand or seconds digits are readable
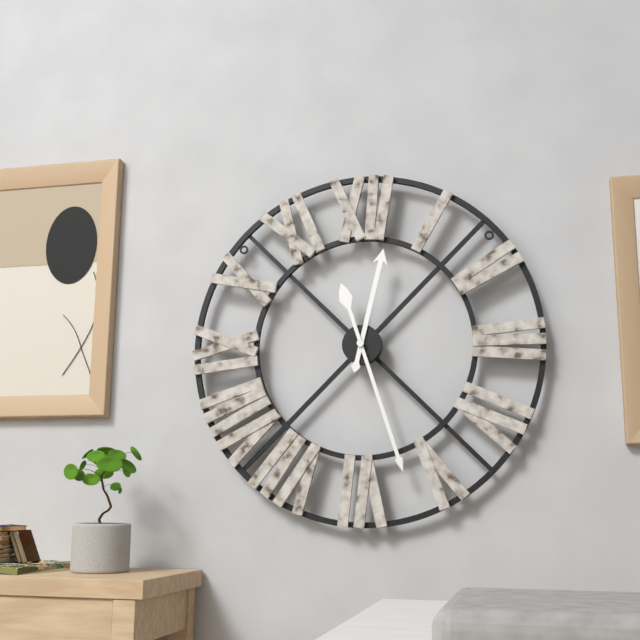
12:27
